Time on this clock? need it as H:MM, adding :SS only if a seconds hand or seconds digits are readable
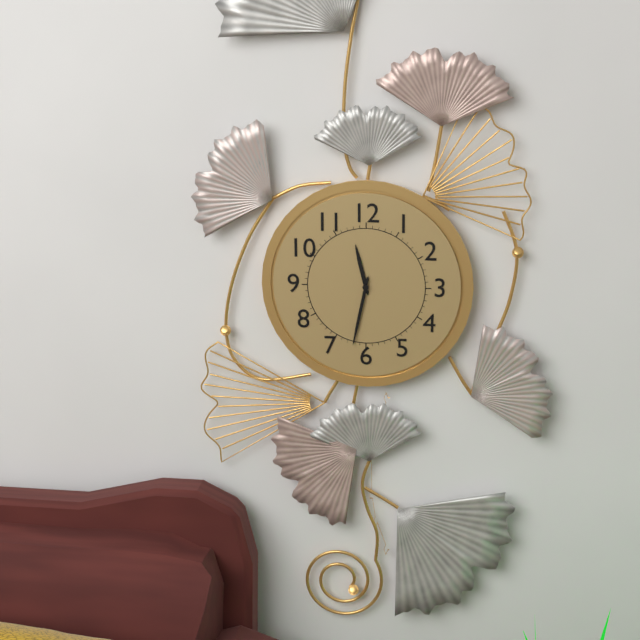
11:32
